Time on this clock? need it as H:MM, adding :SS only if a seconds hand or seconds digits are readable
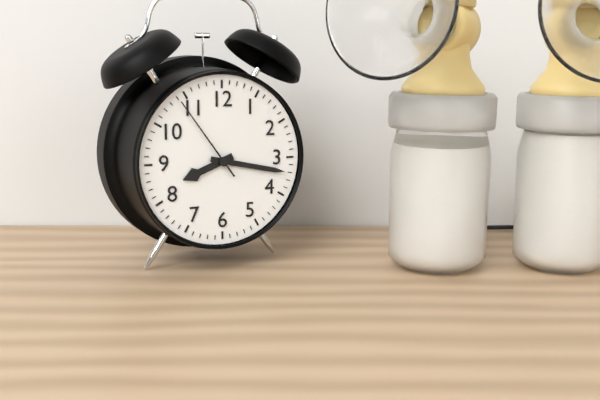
8:17:54
